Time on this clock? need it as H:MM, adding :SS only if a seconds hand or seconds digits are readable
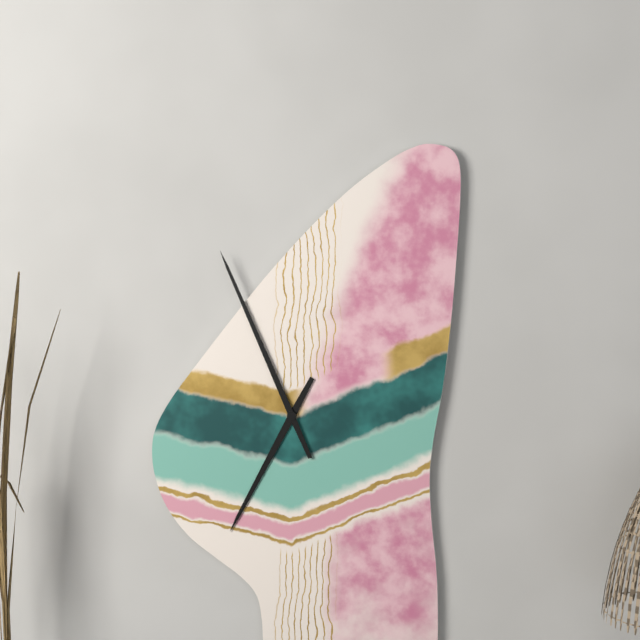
6:56
